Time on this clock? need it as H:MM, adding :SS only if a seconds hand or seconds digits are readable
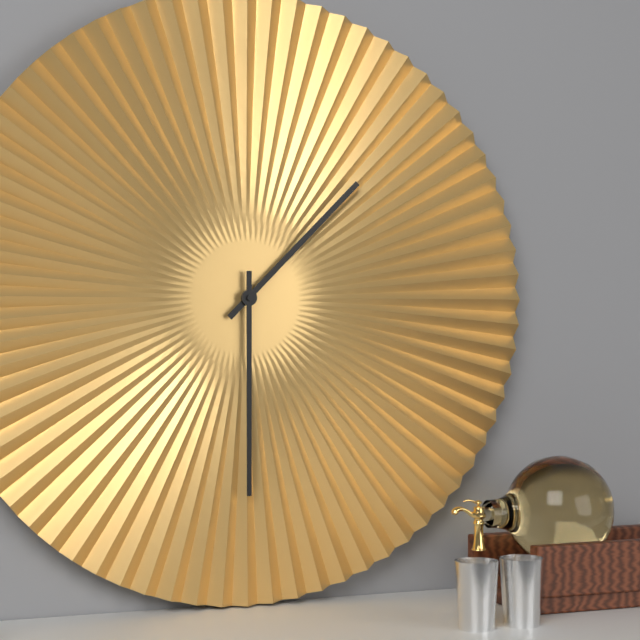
1:30
